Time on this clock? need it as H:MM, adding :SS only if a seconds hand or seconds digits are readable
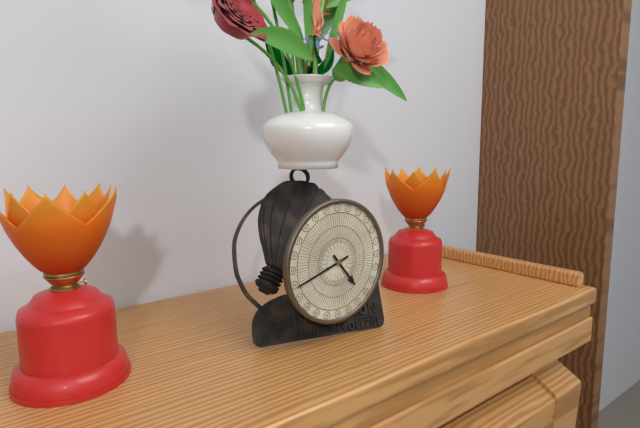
4:42
